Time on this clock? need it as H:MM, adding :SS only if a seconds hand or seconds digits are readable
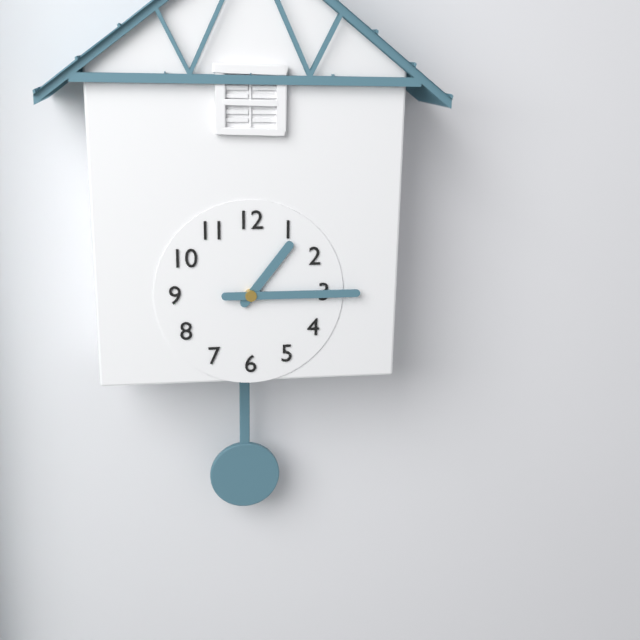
1:15
